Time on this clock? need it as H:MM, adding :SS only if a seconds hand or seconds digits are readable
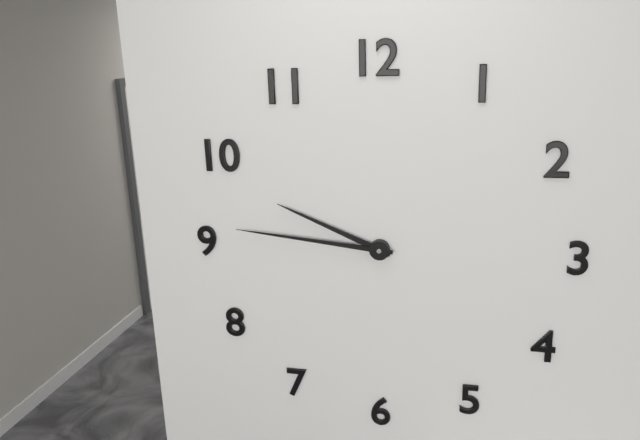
9:46
